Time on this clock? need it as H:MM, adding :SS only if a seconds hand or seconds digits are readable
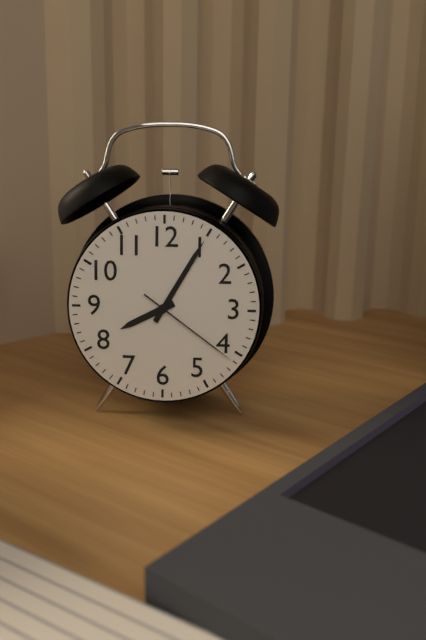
8:05:21
